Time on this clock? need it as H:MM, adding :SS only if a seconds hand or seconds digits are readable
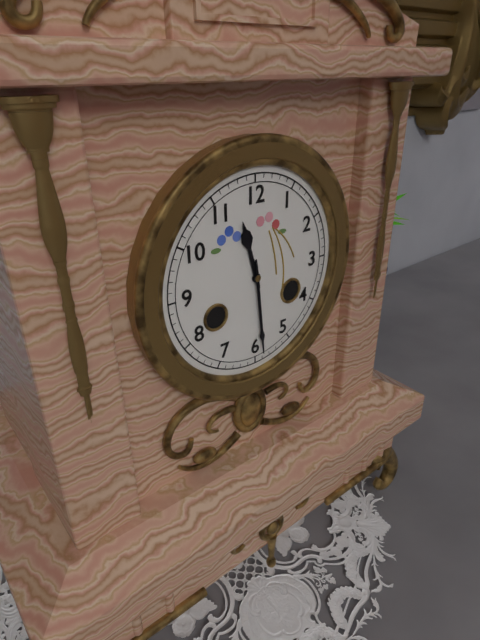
11:29
